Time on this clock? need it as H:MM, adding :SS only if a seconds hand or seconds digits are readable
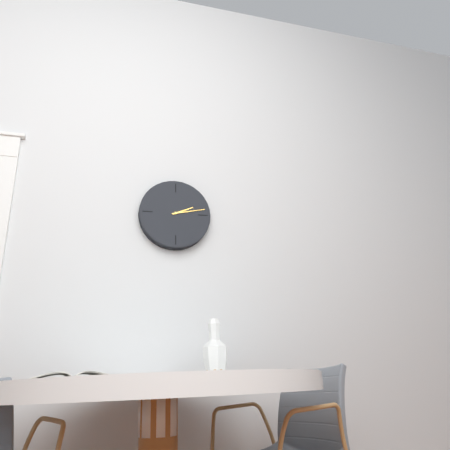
2:13
